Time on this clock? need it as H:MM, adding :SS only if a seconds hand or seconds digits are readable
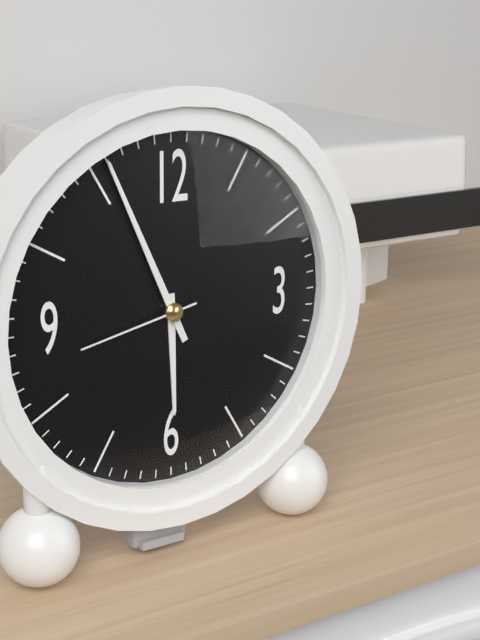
5:56:43
